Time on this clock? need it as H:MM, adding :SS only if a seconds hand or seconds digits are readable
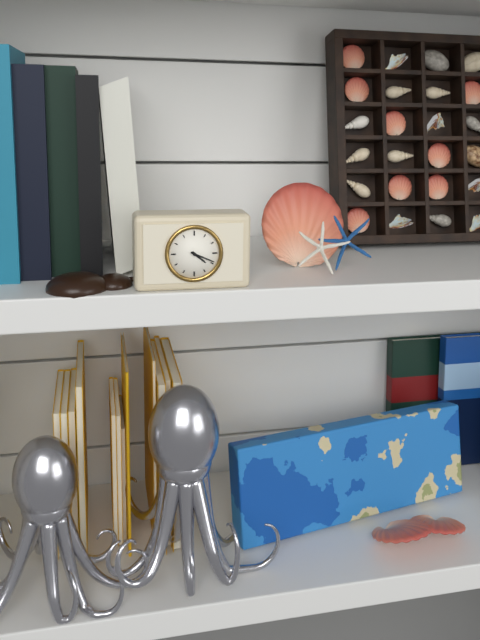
4:19
